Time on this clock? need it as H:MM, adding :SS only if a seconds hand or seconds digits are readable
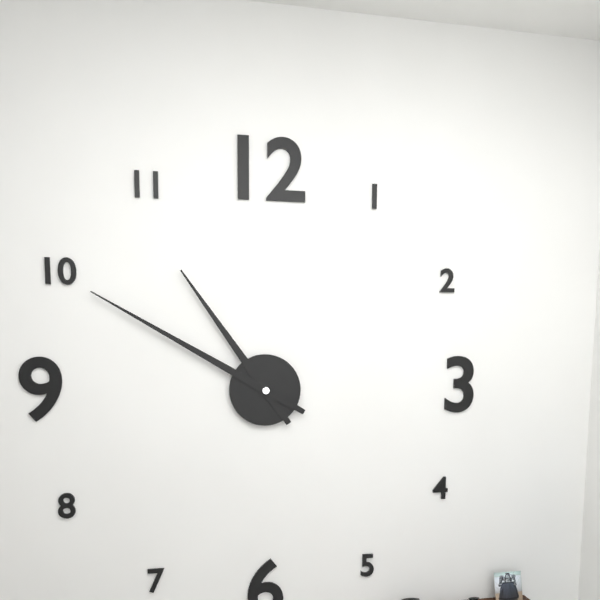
10:50
